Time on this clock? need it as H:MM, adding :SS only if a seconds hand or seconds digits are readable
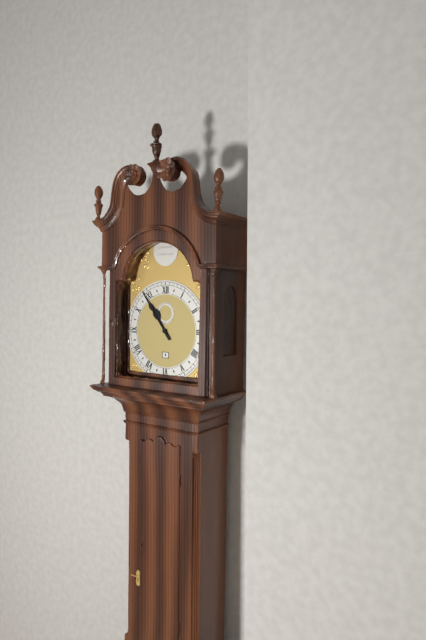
10:54
